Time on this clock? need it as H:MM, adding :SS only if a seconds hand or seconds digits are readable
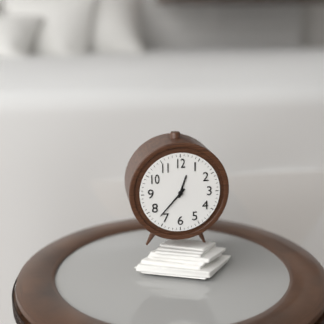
12:37
